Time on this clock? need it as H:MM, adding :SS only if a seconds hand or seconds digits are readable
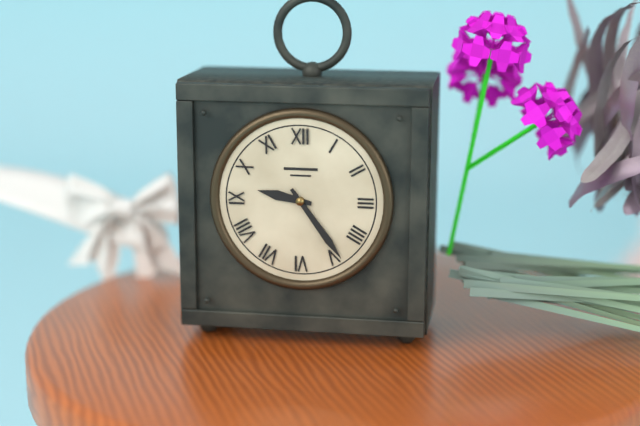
9:24
